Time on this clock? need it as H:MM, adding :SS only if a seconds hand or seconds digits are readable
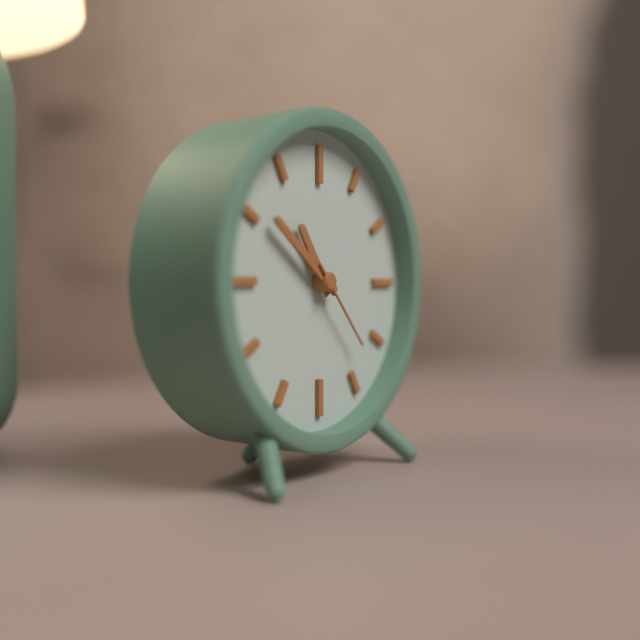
10:51:23
